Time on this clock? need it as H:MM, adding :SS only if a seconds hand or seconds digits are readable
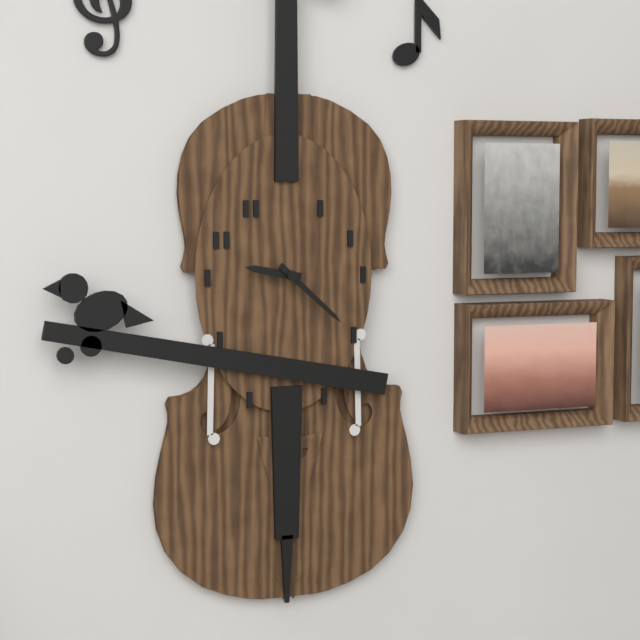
9:22
